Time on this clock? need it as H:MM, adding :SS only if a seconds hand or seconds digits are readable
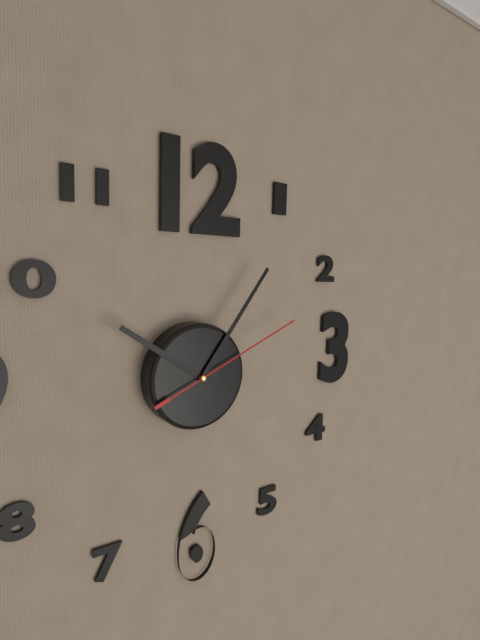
10:06:11
